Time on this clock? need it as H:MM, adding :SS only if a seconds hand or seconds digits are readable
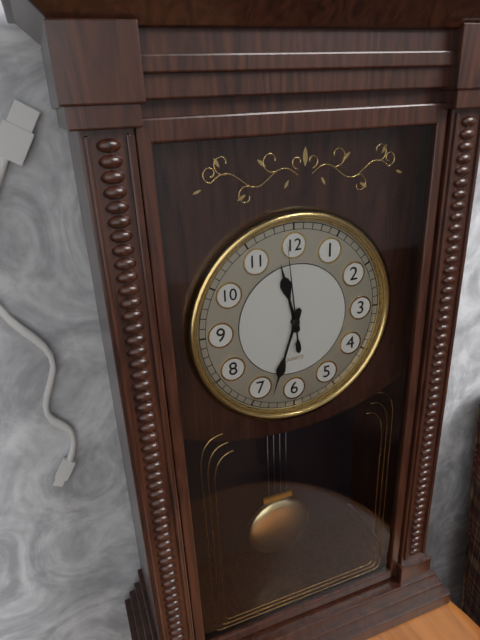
11:33:59
